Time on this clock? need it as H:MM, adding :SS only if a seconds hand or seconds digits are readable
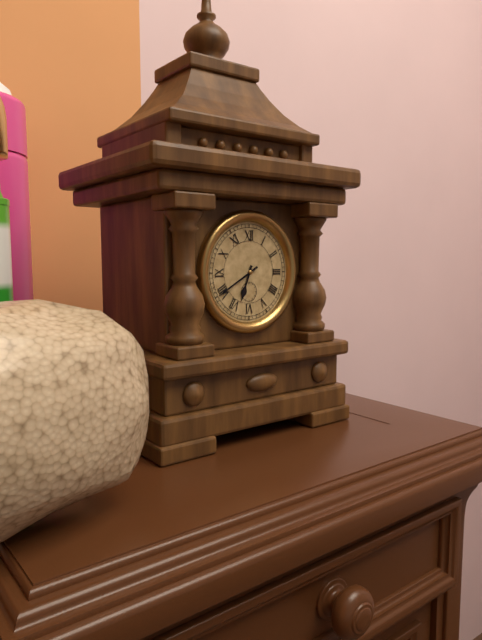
6:40
